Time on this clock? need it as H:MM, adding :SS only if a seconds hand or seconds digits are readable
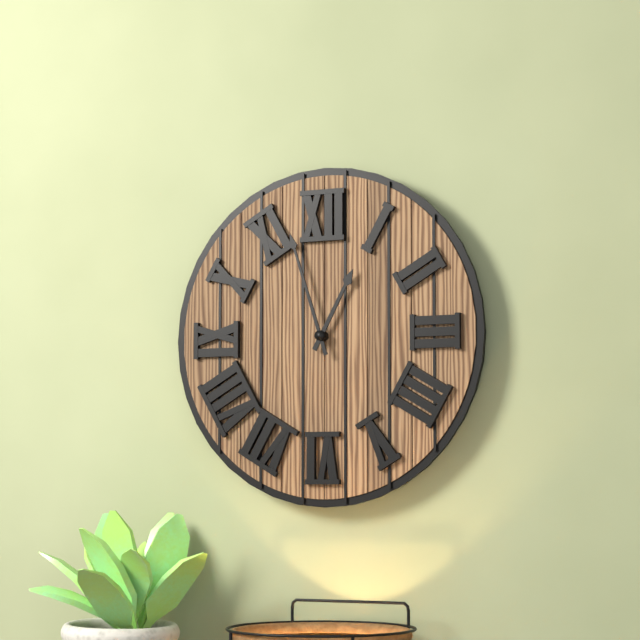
12:57
